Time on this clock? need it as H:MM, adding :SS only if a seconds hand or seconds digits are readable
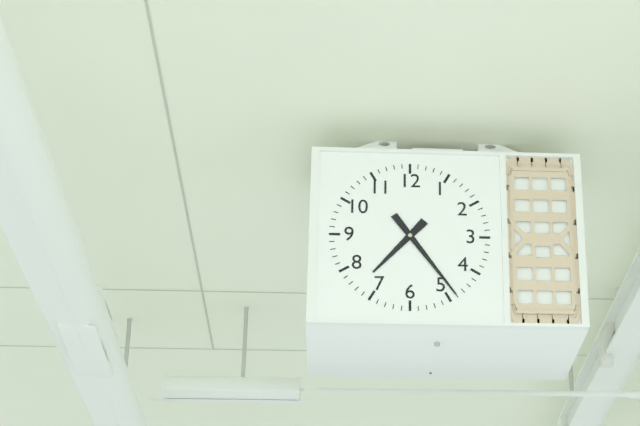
7:24
